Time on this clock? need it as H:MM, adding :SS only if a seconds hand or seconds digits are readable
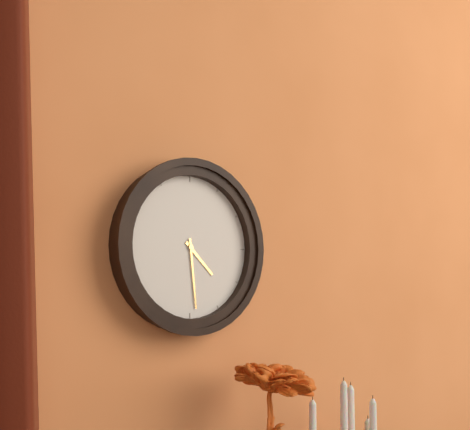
4:29
